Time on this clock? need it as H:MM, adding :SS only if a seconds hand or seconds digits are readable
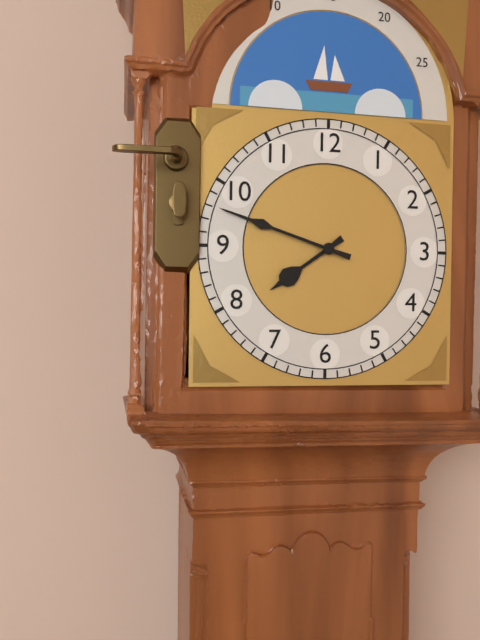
7:48
